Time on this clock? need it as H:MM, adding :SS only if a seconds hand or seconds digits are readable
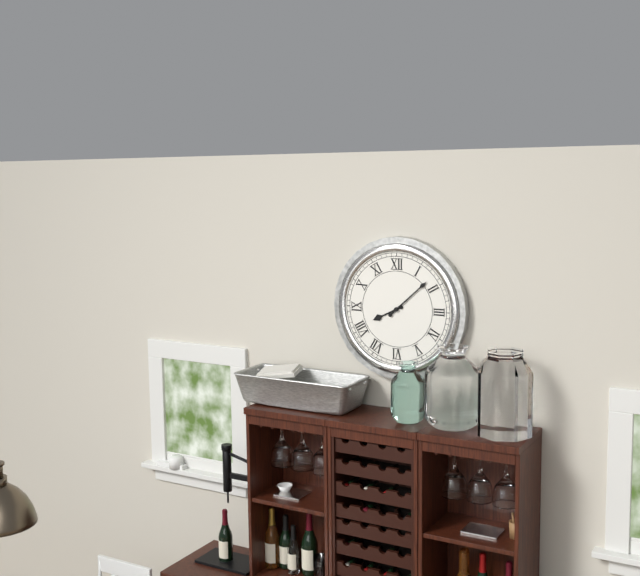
8:08
